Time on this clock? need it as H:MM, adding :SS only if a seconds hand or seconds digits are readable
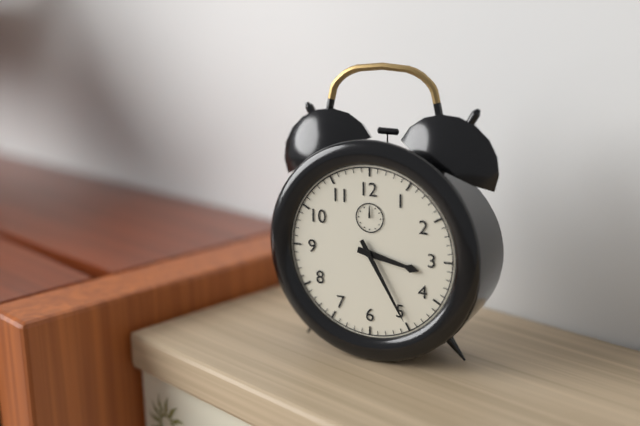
3:25
